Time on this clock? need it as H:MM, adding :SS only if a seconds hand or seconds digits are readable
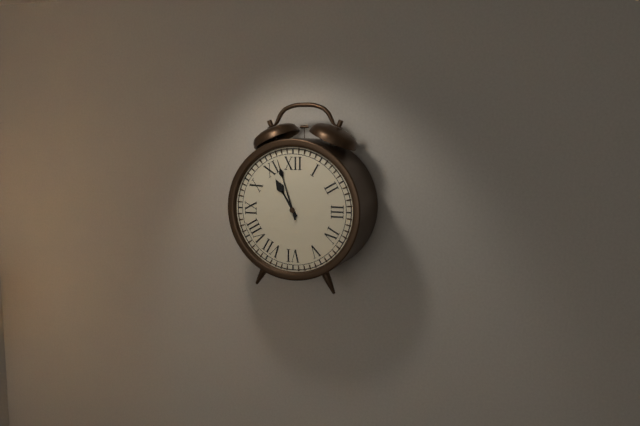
10:57
